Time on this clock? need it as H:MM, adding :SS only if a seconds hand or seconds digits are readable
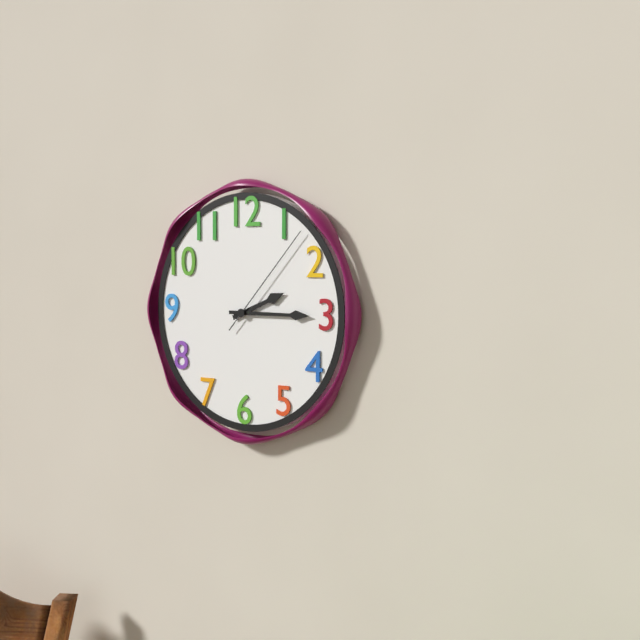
2:15:07
